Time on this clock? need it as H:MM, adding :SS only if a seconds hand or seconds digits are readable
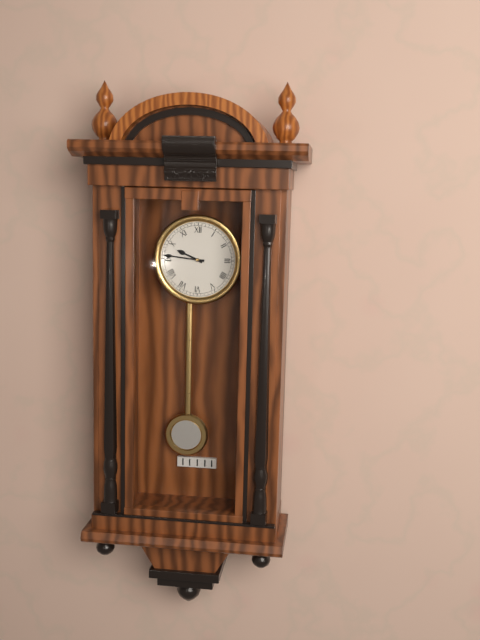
9:46
